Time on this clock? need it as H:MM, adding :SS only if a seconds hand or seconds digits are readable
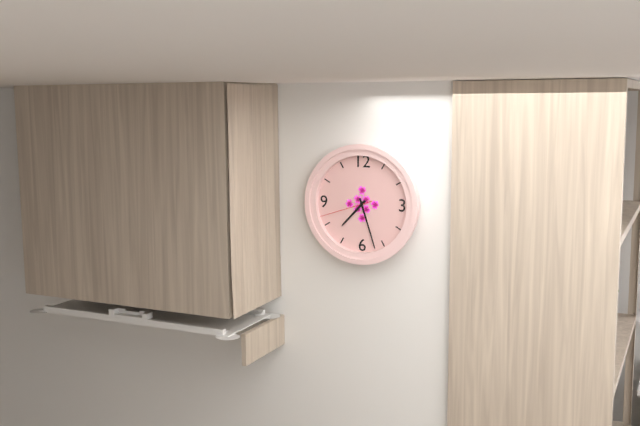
7:27:42
